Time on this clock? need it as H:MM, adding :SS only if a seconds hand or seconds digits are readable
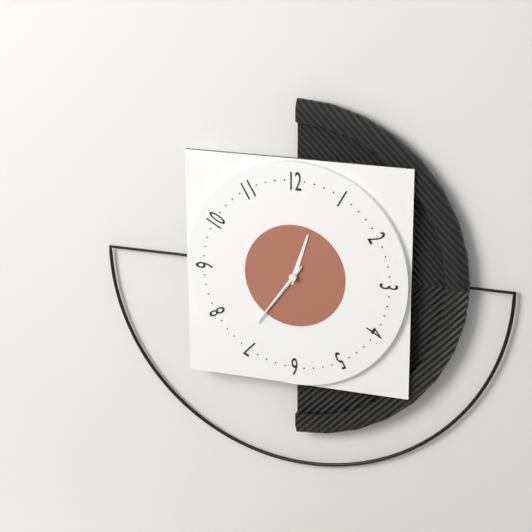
12:36:36
